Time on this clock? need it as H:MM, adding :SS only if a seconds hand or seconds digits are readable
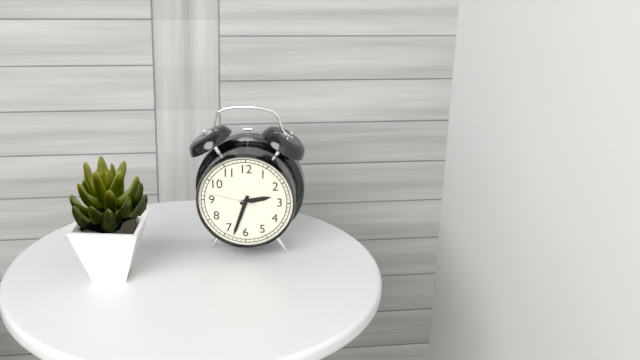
2:33:47
